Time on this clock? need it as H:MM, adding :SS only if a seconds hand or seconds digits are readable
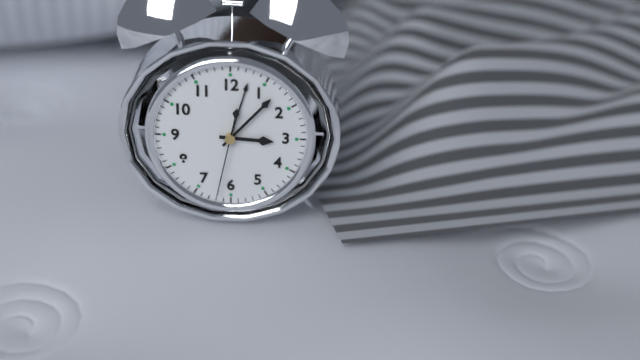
3:07:32
